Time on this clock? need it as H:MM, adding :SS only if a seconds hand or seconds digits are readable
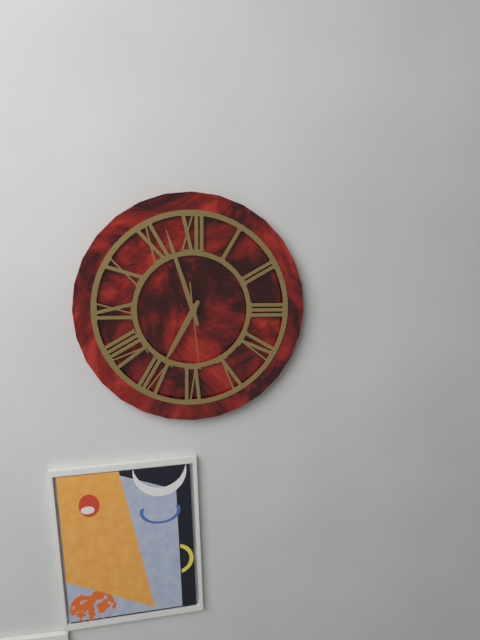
6:57:29
